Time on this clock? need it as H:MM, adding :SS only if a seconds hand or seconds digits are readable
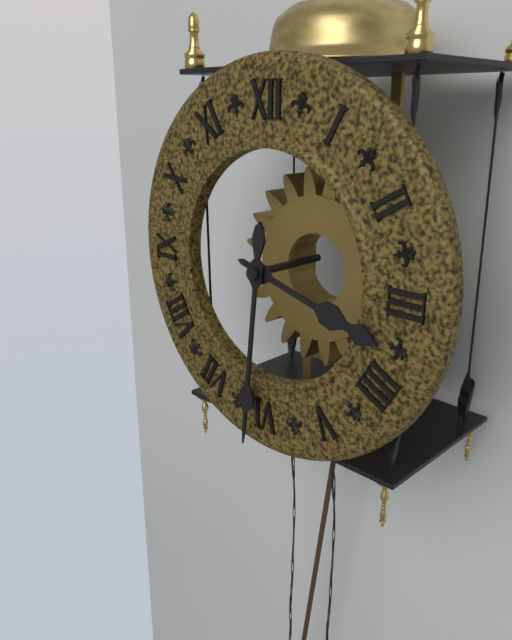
3:31
